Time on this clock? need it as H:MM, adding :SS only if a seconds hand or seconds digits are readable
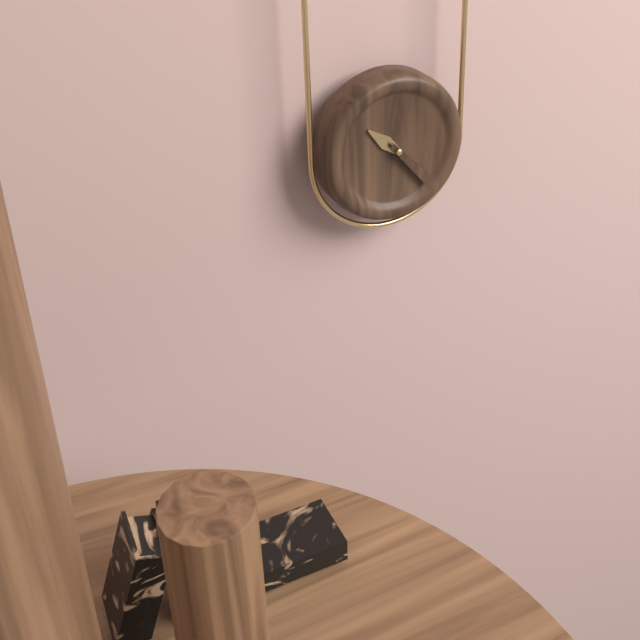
10:23
